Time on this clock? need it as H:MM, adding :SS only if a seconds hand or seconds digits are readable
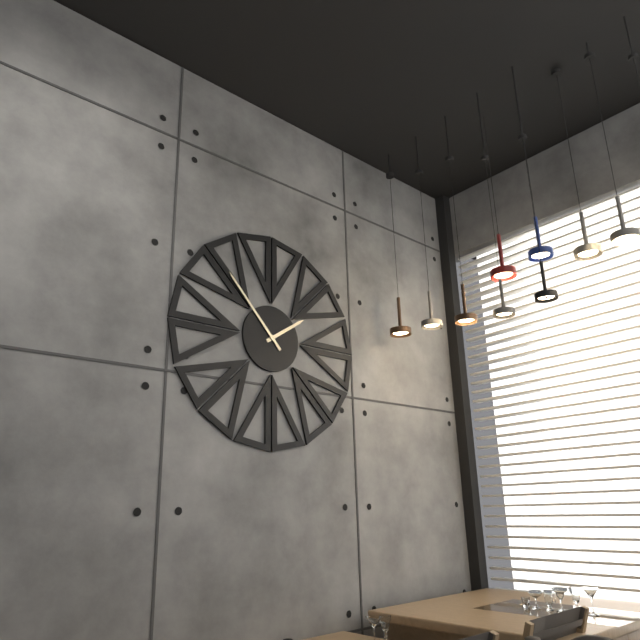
1:53
